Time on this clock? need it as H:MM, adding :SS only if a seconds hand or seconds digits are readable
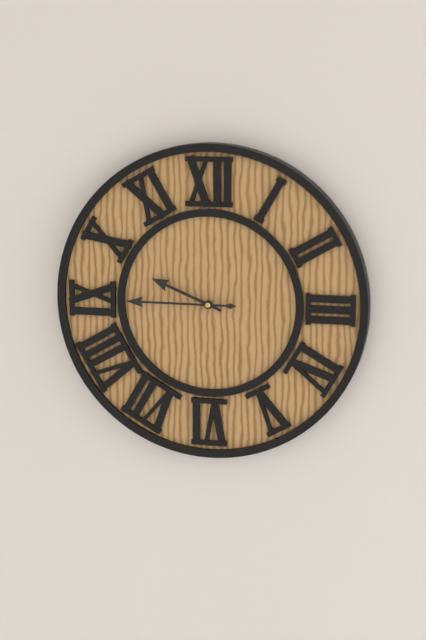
9:45
